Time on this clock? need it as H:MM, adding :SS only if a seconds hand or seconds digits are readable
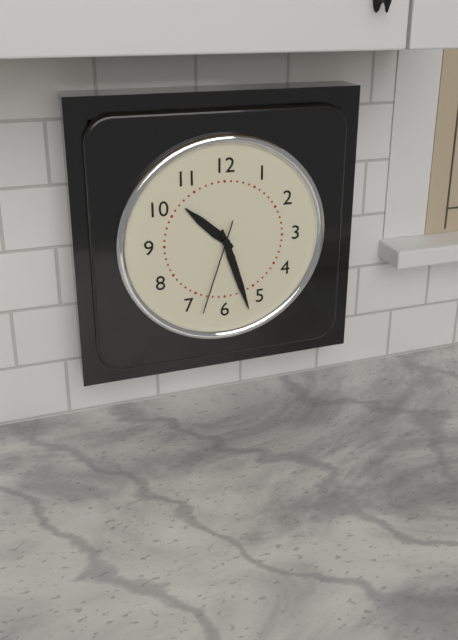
10:27:33
